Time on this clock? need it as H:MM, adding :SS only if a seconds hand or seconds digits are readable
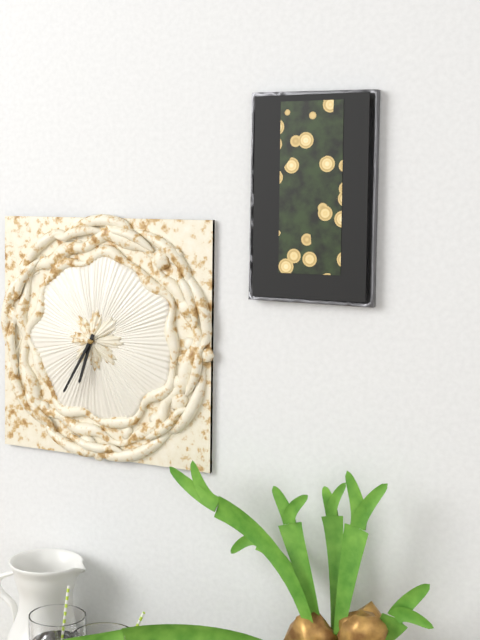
6:35
